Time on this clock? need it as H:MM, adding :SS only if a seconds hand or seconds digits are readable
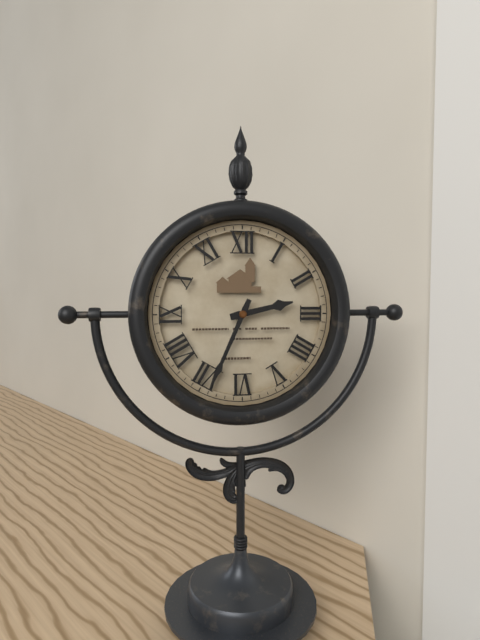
2:34
